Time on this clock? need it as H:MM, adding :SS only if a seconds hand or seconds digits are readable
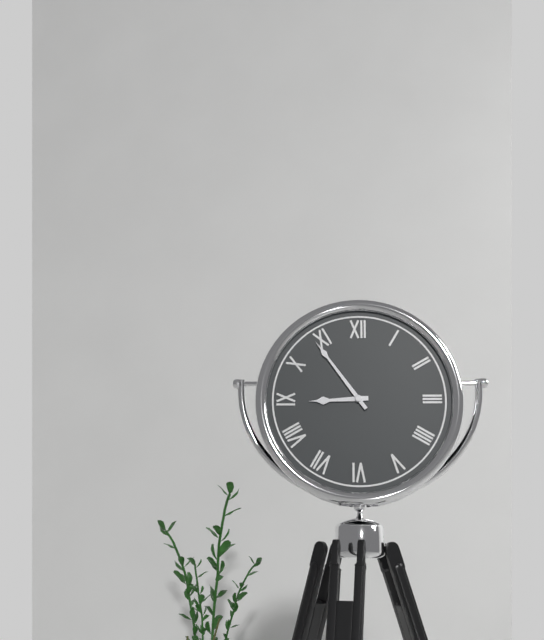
8:54
